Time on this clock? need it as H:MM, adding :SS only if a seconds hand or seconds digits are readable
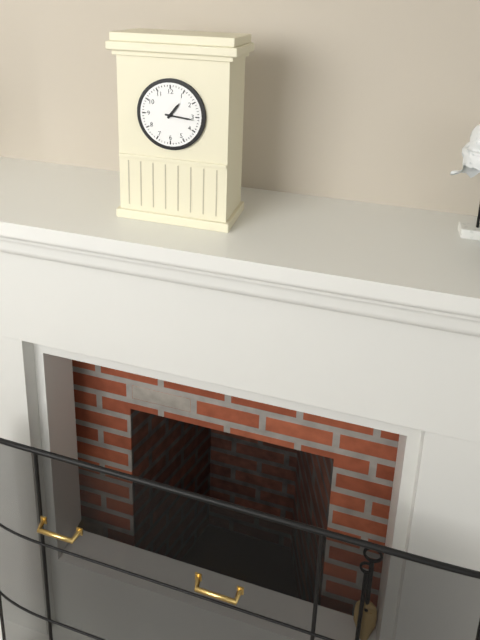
1:16
